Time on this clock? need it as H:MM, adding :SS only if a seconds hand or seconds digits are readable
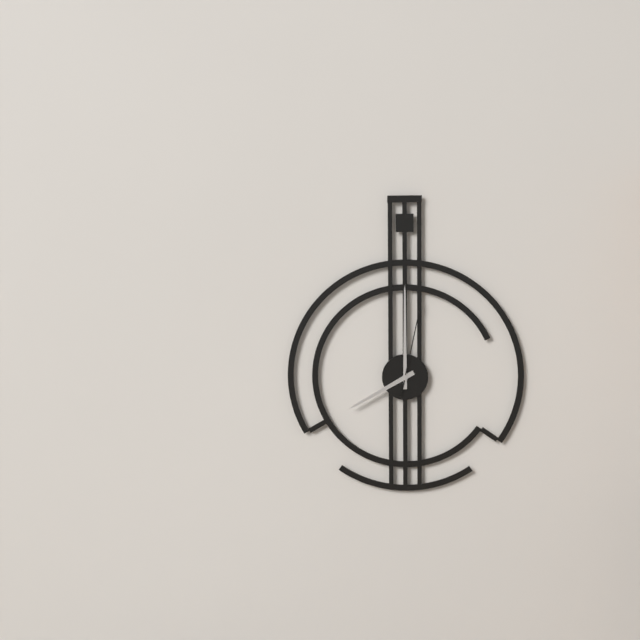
8:00:02
